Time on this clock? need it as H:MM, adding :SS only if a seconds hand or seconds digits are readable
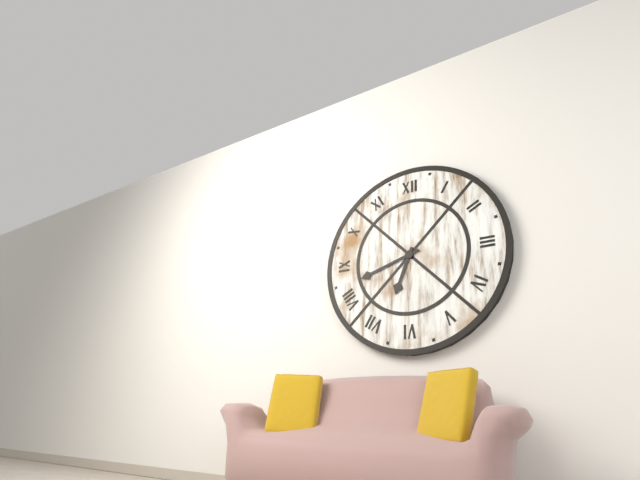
6:42
